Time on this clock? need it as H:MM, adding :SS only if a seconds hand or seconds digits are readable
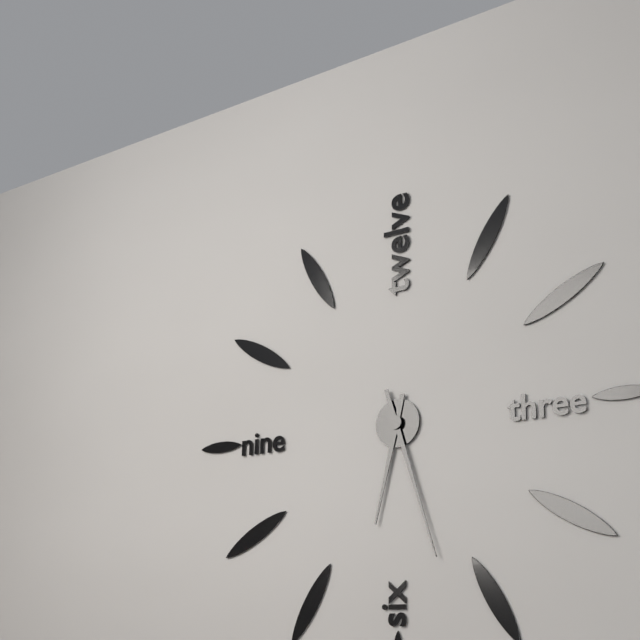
6:27
